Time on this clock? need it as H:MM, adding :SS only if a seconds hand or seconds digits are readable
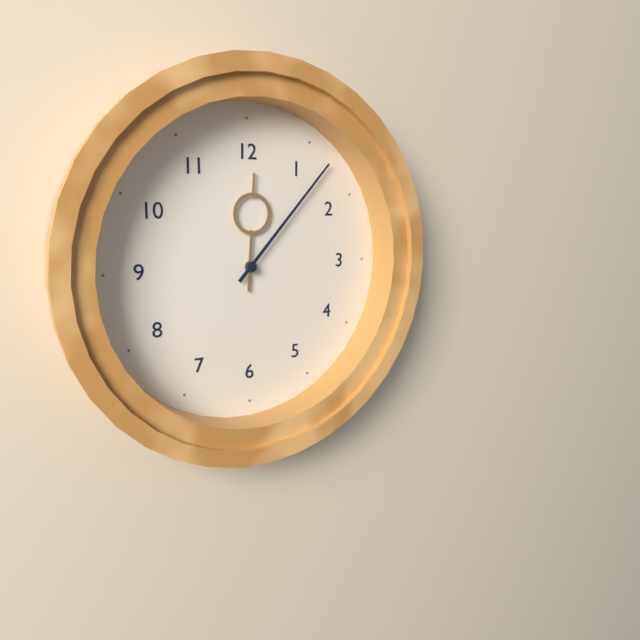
12:07
